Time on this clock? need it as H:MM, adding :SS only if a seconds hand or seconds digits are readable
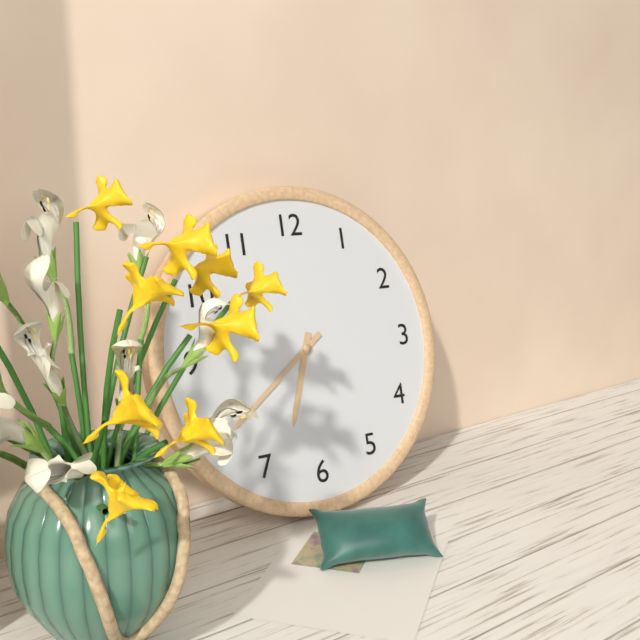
6:39
